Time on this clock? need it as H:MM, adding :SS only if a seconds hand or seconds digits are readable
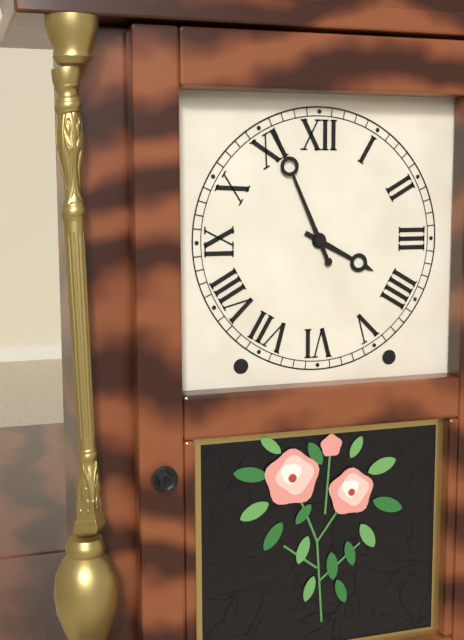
3:56
